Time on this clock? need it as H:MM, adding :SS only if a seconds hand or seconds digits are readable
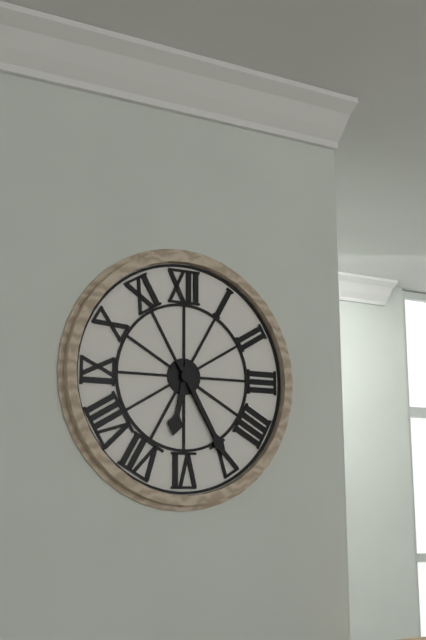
6:25
